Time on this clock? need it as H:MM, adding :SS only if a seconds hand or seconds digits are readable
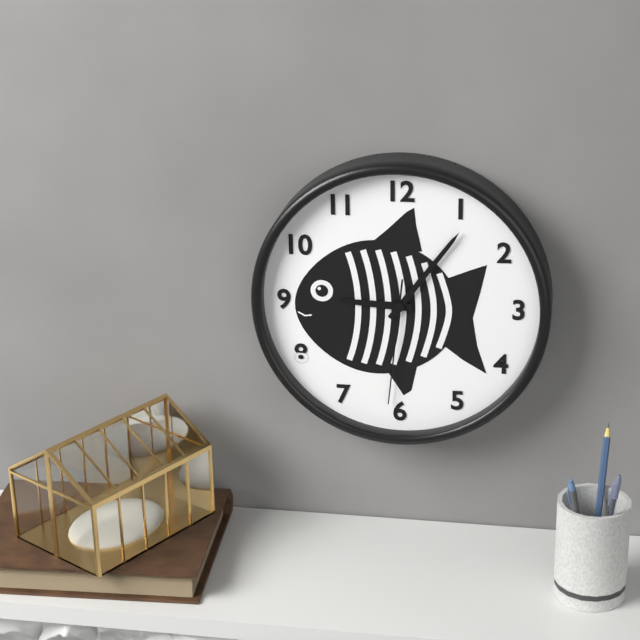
9:06:31
